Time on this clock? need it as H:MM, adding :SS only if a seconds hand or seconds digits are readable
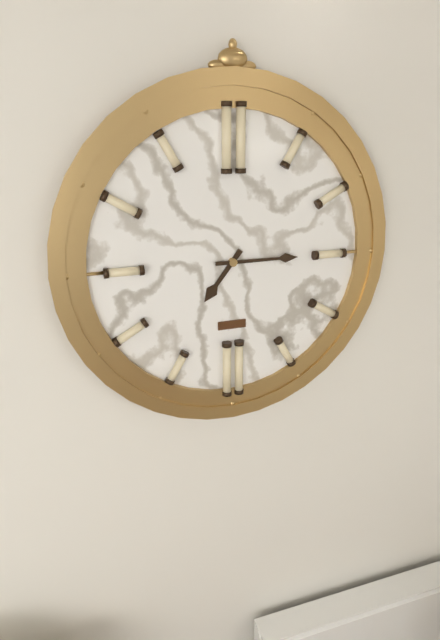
7:15
